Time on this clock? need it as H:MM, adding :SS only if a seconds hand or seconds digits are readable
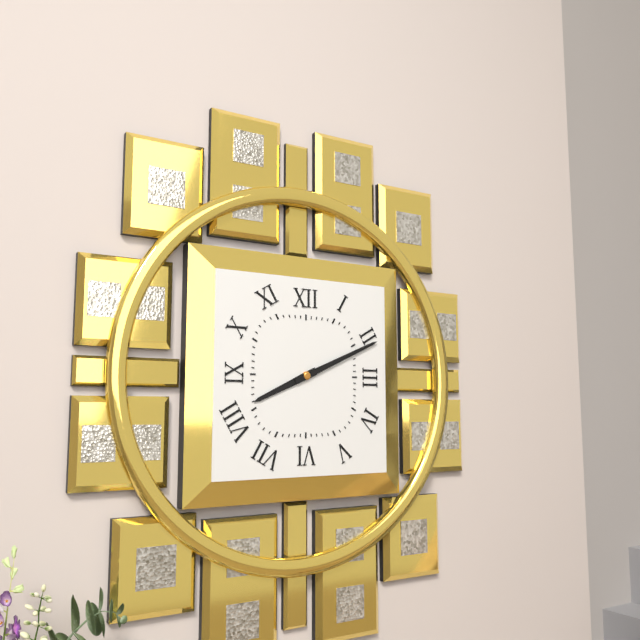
8:11
